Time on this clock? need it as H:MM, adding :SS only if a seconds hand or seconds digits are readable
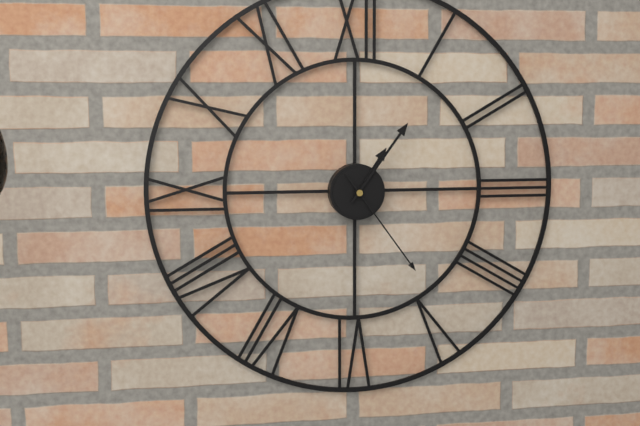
1:06:24
